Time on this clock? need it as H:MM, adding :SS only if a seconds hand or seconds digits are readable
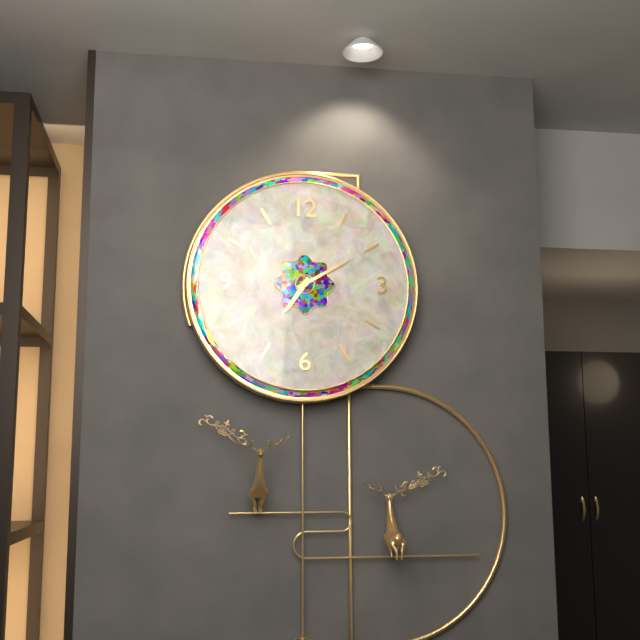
7:10
